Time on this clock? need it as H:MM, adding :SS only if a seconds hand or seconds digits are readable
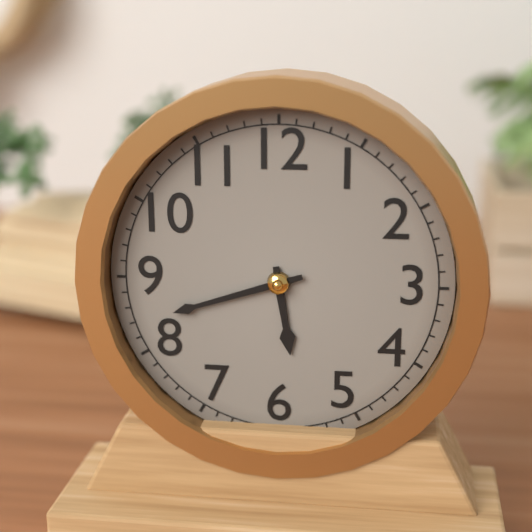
5:42
